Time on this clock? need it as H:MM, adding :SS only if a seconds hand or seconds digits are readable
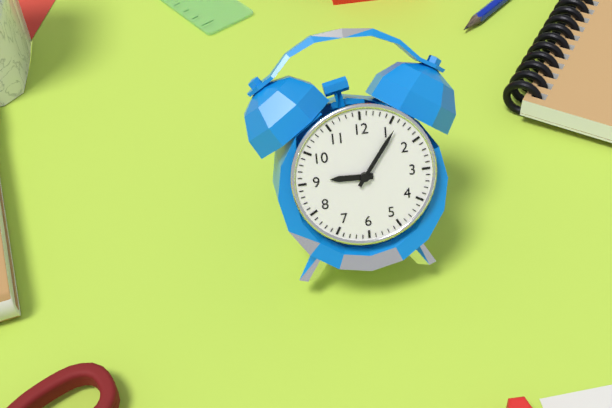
9:06
